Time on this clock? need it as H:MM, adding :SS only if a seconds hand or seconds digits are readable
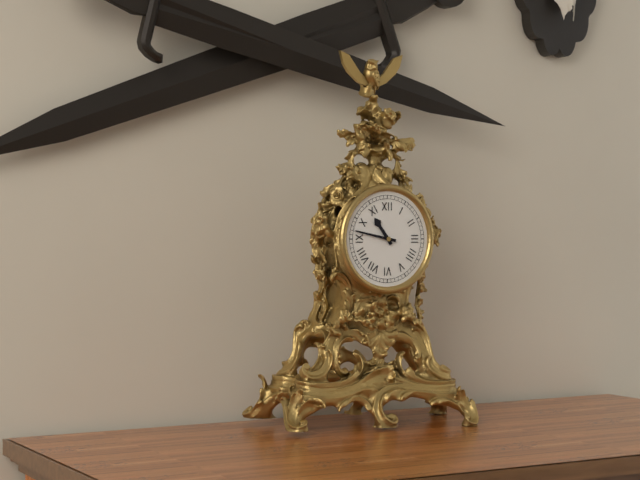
10:47
